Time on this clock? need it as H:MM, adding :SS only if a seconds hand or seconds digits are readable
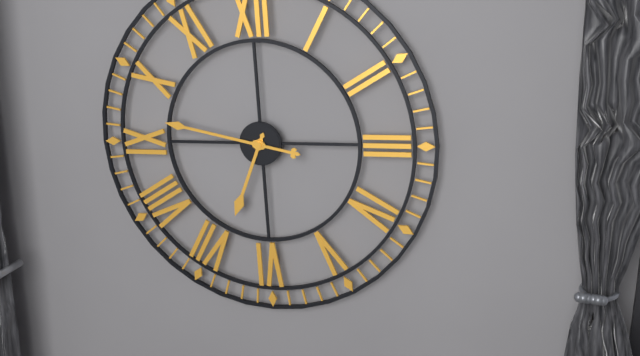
6:47
